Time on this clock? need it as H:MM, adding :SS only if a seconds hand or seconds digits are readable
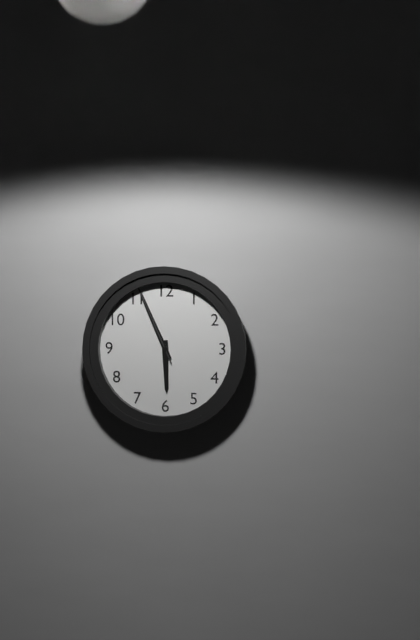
5:56:56
